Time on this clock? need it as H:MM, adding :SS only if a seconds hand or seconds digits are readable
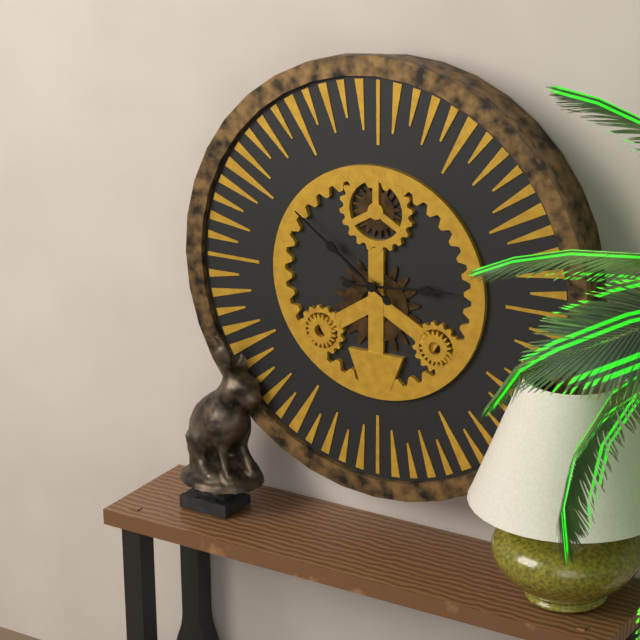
2:51
